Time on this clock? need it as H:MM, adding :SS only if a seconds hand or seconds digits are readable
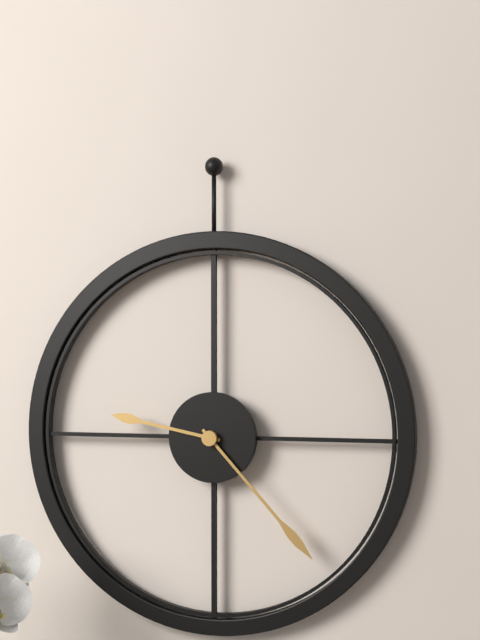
9:23
